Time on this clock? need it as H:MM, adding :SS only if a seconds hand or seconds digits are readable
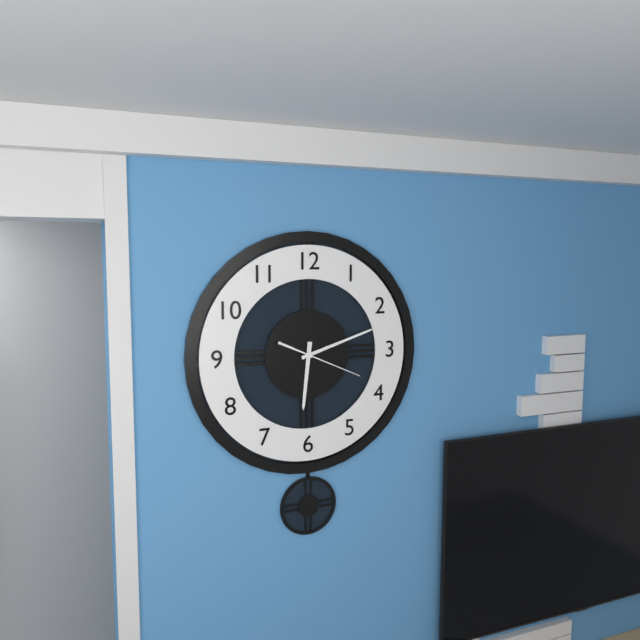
6:12:19
